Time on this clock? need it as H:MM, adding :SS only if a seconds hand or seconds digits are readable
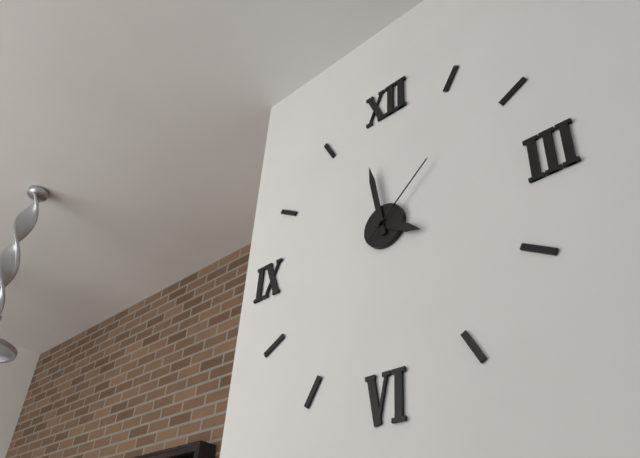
3:58:08
